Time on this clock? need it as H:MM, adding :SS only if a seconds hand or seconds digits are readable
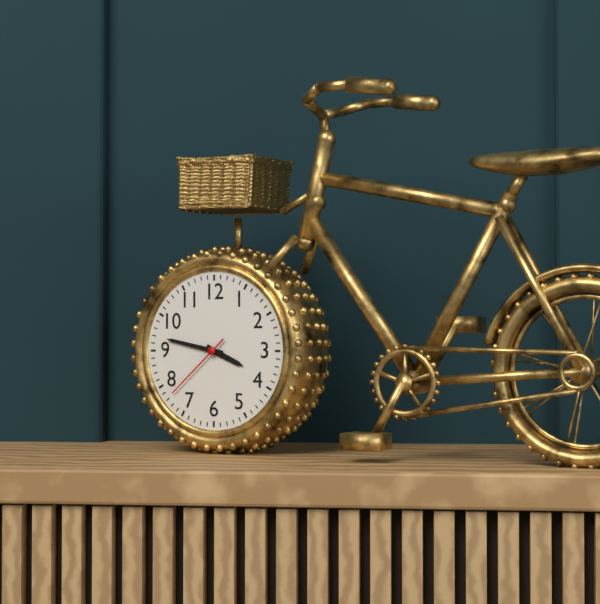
3:47:38
